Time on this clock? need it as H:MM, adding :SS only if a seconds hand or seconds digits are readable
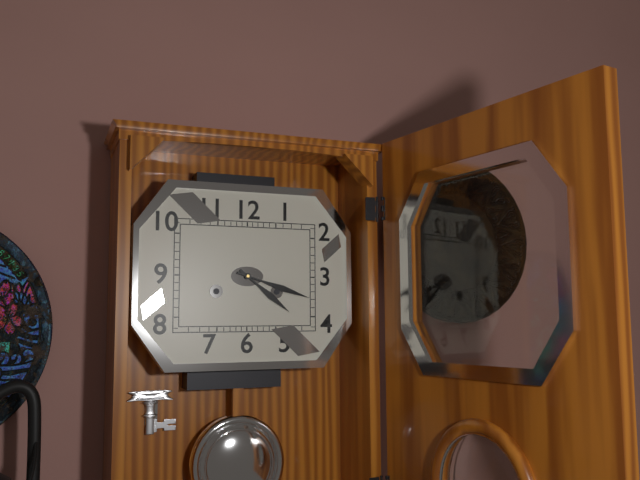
4:18
